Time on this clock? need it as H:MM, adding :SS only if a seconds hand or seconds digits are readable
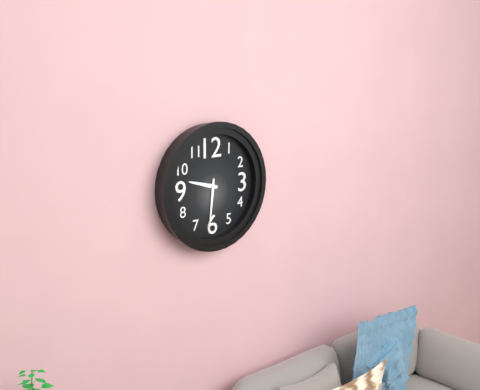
9:31
